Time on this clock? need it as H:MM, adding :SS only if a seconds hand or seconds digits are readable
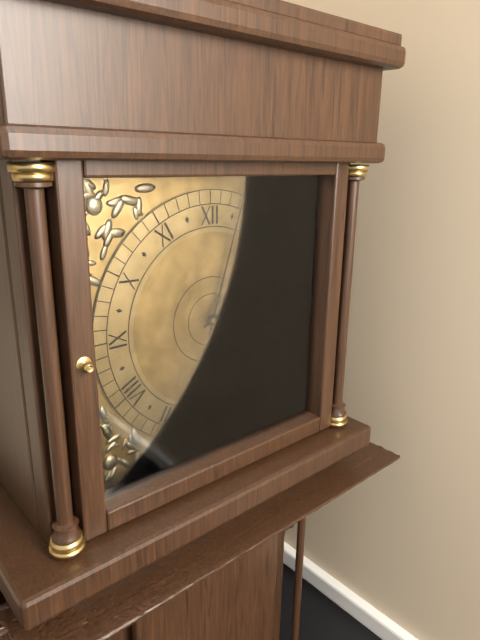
2:03
